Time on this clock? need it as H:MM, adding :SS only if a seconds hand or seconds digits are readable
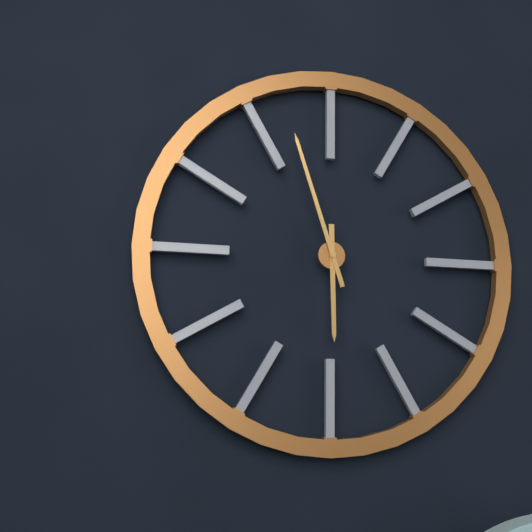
5:57
